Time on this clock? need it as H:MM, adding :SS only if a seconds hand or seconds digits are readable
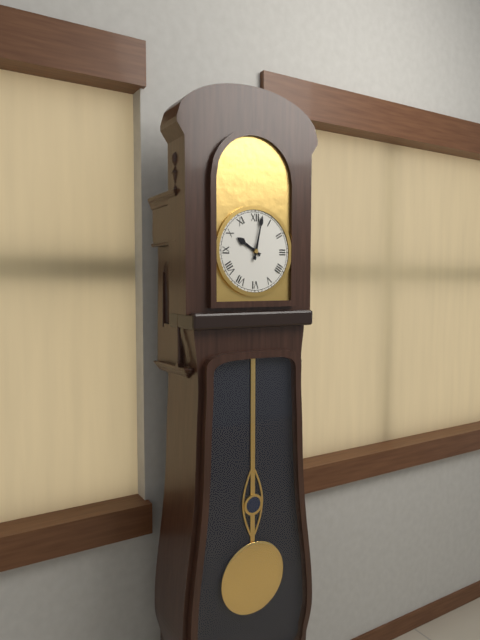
10:02
